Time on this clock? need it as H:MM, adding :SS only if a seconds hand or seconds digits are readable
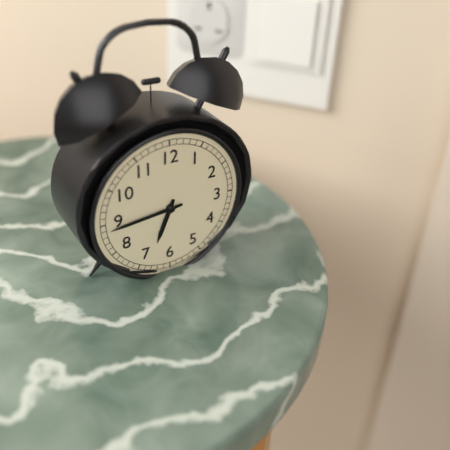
6:44
